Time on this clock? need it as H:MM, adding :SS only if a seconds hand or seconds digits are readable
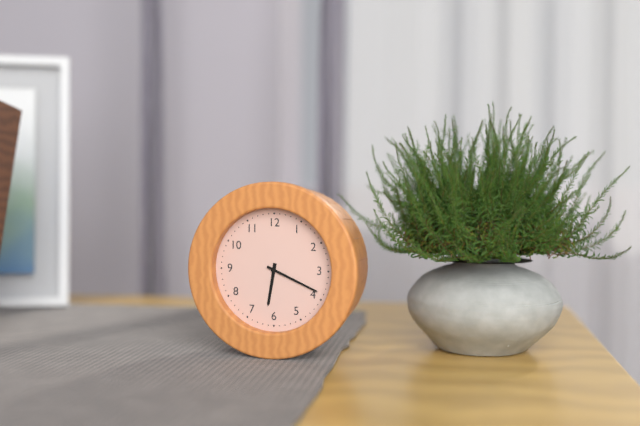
6:19
